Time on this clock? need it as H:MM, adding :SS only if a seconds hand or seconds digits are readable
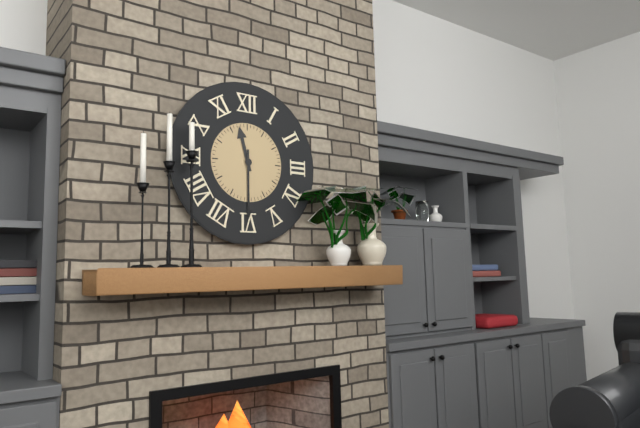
11:30
